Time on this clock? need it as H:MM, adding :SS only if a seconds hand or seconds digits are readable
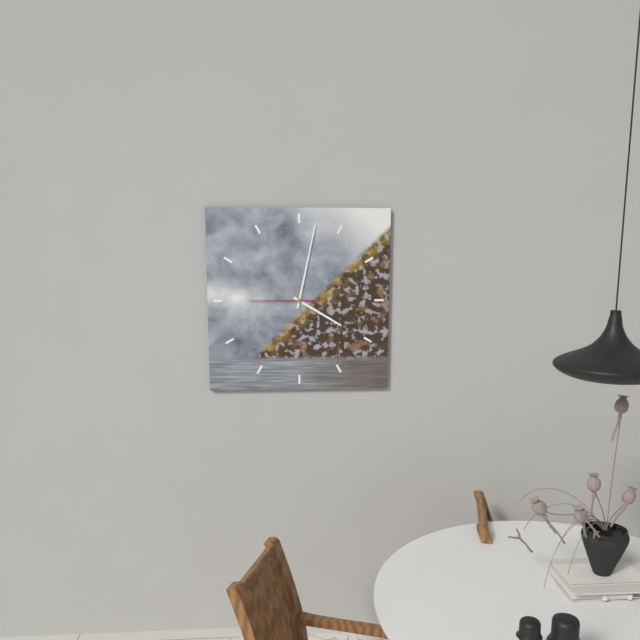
4:02:45
